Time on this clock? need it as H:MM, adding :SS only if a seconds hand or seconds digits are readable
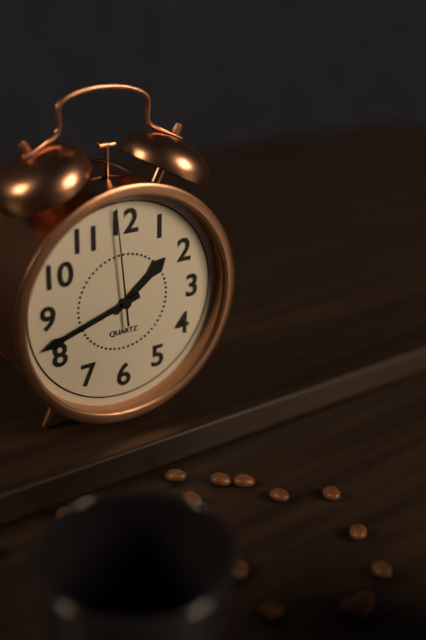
1:42:59
